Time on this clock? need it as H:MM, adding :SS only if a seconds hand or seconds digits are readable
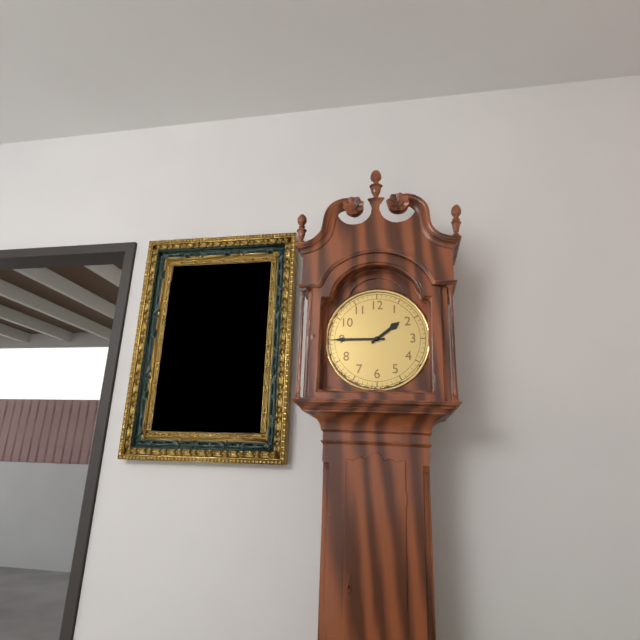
1:45
